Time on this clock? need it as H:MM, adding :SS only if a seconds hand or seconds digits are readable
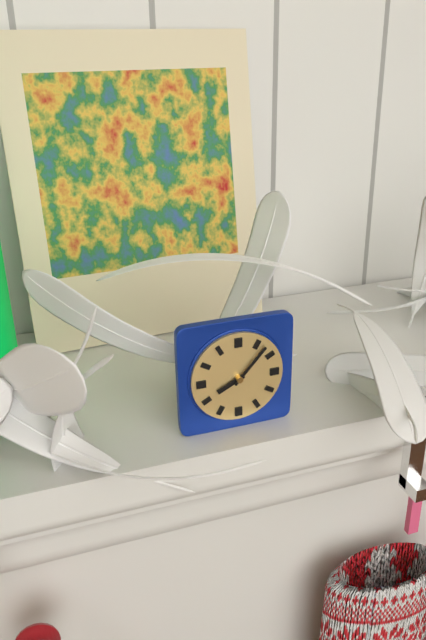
8:07
